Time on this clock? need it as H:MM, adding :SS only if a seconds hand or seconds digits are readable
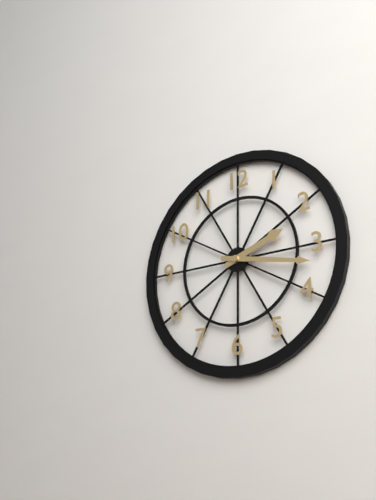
2:17
